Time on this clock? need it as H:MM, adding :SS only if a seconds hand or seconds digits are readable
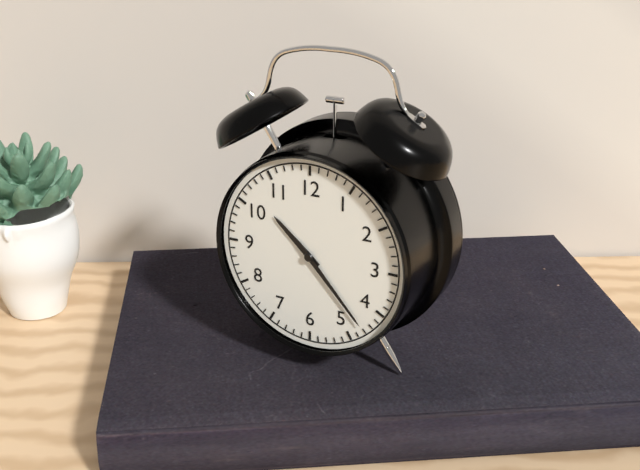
10:23
